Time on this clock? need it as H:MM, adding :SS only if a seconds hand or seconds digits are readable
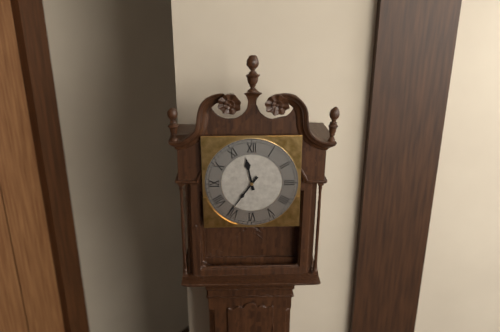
11:36
